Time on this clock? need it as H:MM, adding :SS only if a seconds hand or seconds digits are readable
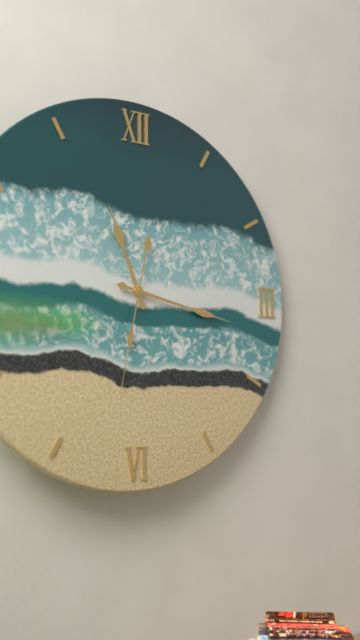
11:17:32
